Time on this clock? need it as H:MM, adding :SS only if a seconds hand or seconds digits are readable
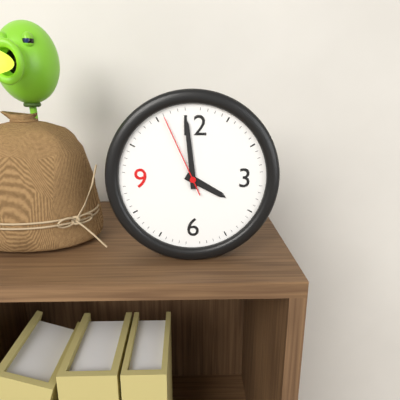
3:59:56
